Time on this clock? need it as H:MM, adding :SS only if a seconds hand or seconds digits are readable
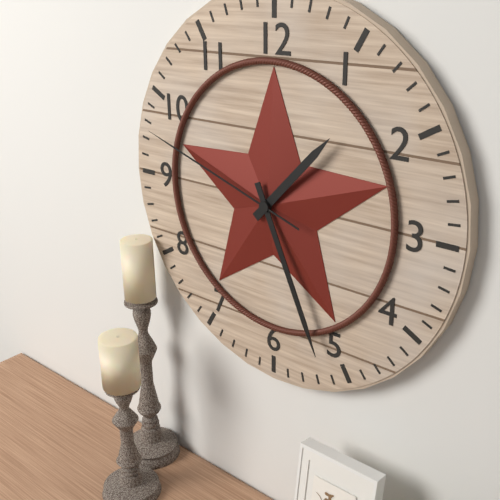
1:26:48
